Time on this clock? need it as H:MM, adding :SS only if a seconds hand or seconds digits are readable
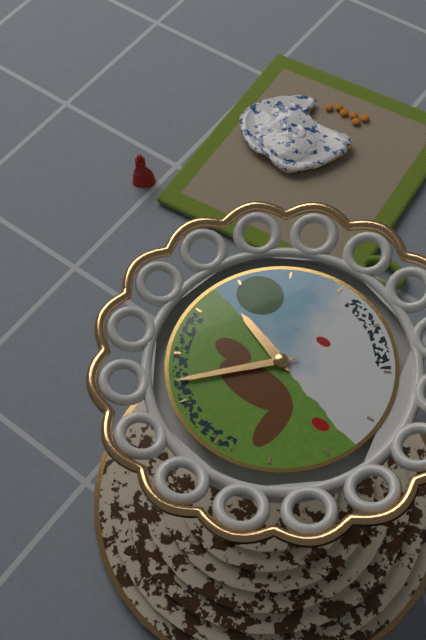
9:37
